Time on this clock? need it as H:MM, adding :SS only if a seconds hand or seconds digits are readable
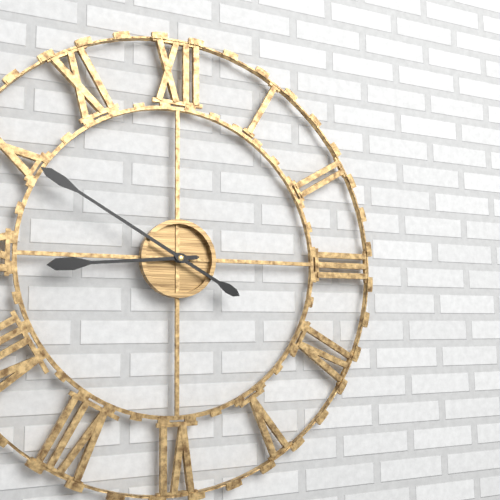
8:50
